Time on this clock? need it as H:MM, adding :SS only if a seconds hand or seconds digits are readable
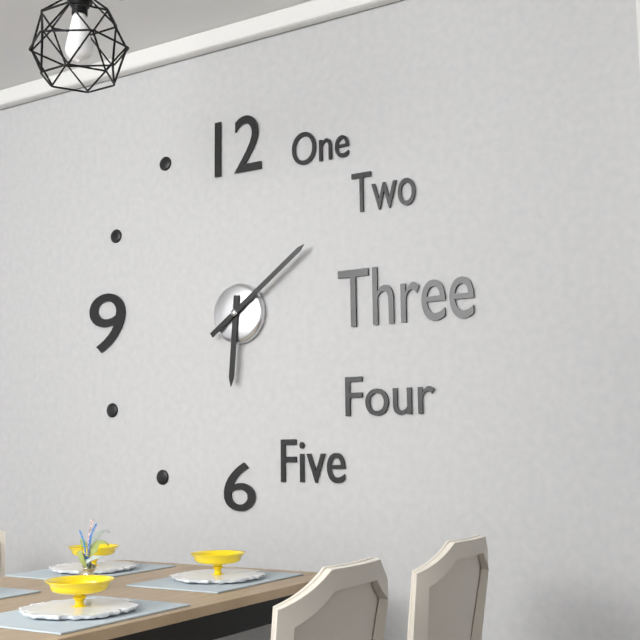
6:09
